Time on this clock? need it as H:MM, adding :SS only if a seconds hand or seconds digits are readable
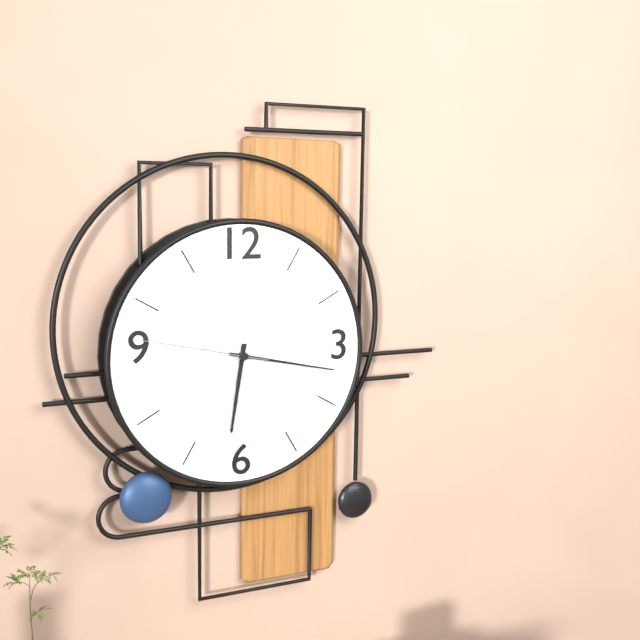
6:17:47
